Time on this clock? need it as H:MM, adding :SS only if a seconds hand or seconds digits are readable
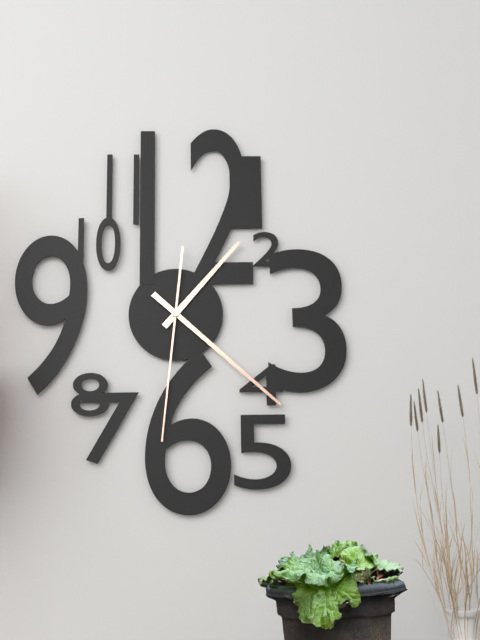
1:22:31
